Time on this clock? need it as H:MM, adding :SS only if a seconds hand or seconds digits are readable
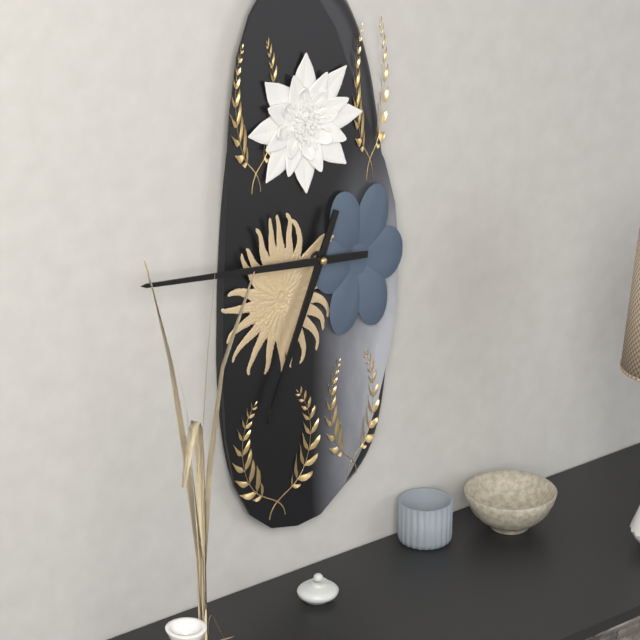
6:46
